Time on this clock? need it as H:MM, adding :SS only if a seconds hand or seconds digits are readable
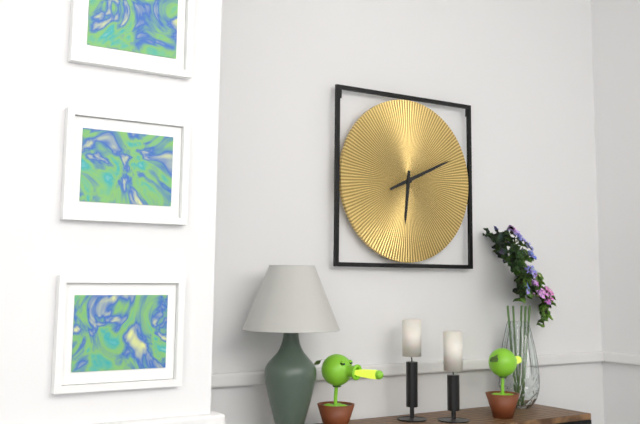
6:11
